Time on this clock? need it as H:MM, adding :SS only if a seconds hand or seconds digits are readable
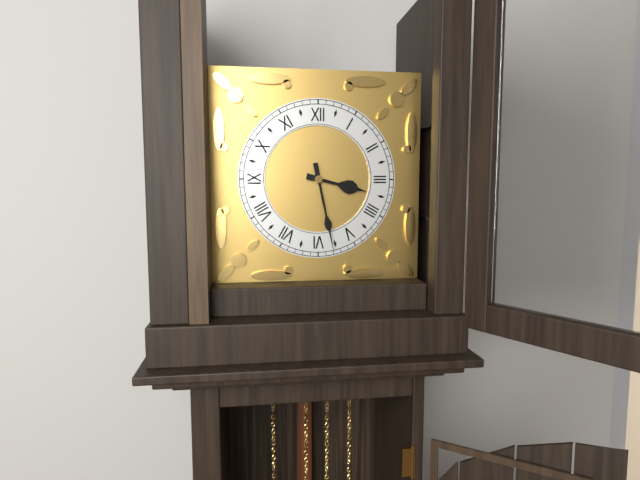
3:28
